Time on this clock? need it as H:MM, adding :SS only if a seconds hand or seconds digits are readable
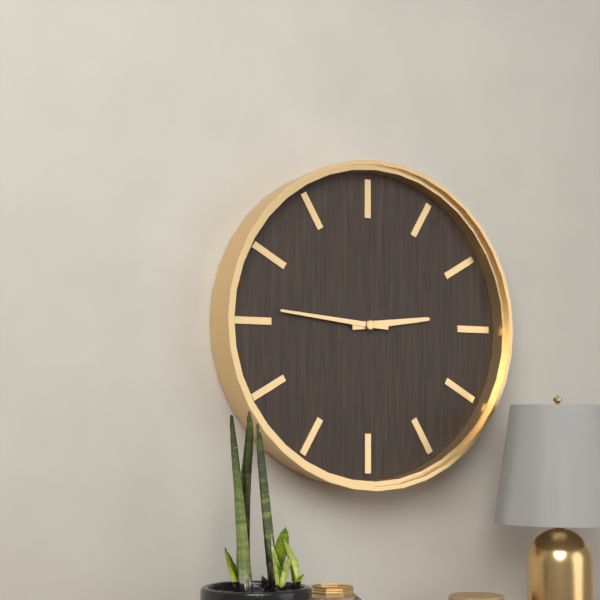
2:46
